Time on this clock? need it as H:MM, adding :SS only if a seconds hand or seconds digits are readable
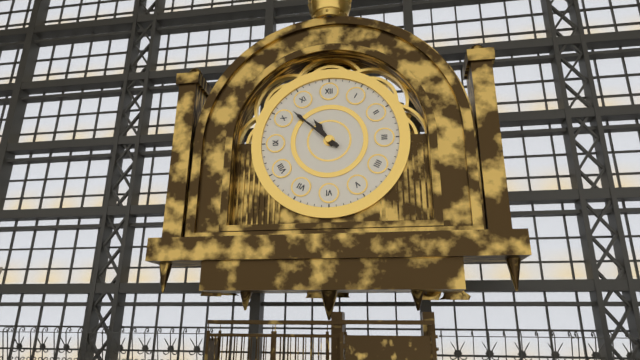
10:52
